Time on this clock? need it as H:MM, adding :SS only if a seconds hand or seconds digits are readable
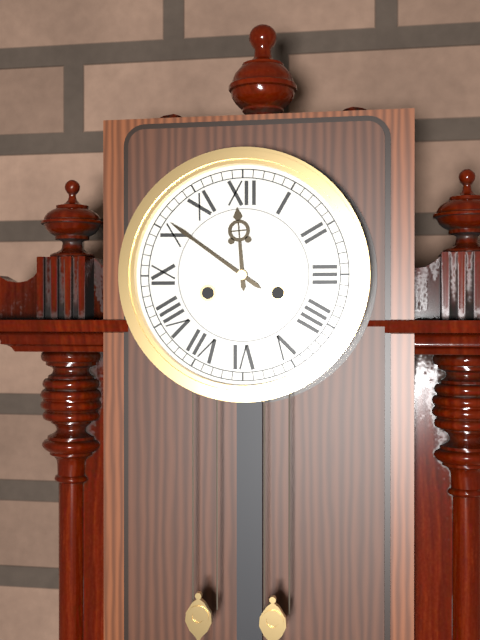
11:51
